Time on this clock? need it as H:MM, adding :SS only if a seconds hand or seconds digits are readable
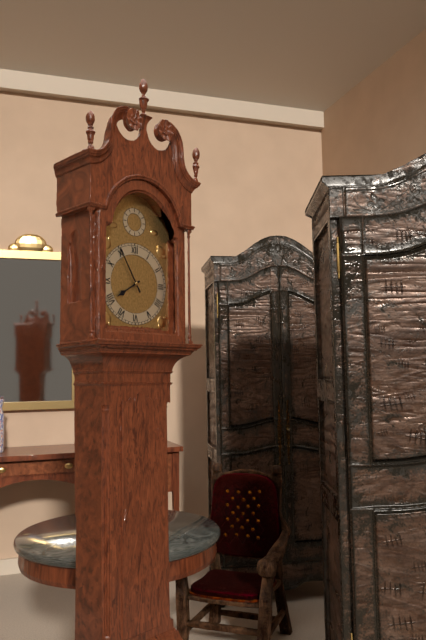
7:55
